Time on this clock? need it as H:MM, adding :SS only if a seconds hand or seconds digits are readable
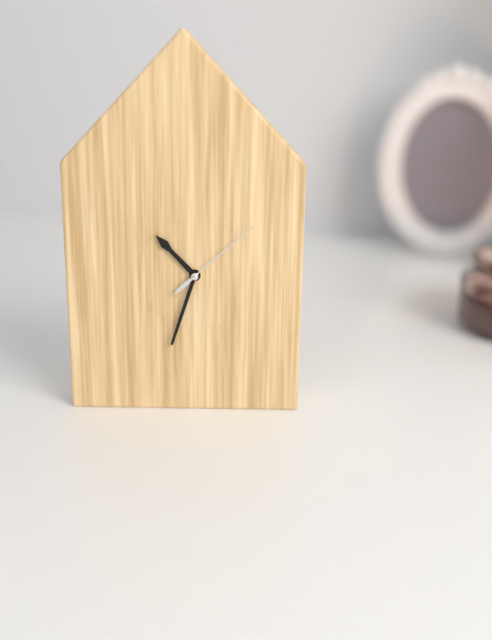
10:33:08
